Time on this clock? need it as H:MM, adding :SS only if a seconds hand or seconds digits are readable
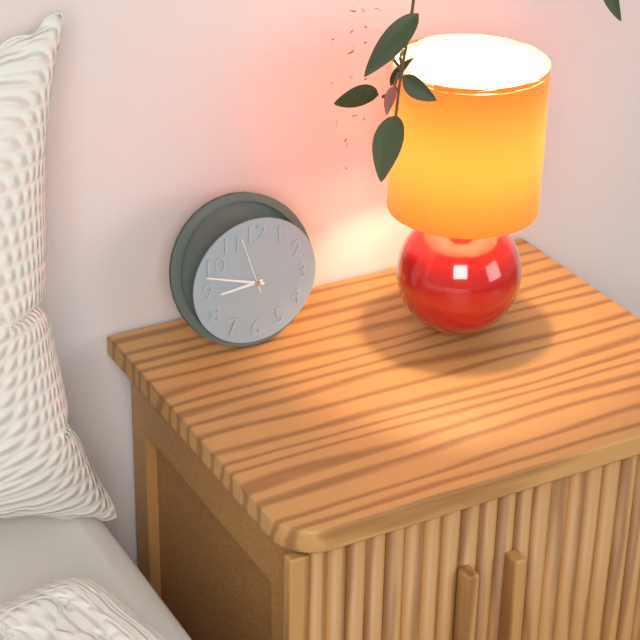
8:48:57
